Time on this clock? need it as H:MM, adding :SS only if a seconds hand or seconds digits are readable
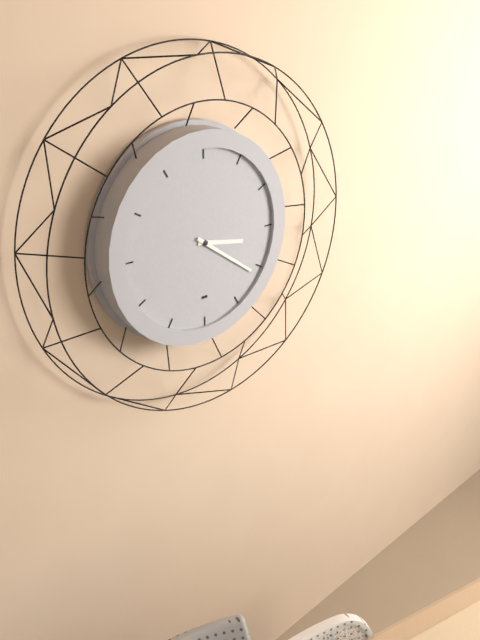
3:21
